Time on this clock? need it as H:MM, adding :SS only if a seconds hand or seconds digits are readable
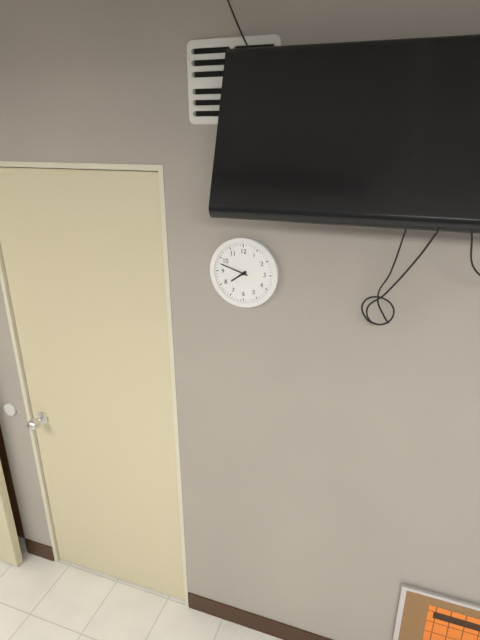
7:48
